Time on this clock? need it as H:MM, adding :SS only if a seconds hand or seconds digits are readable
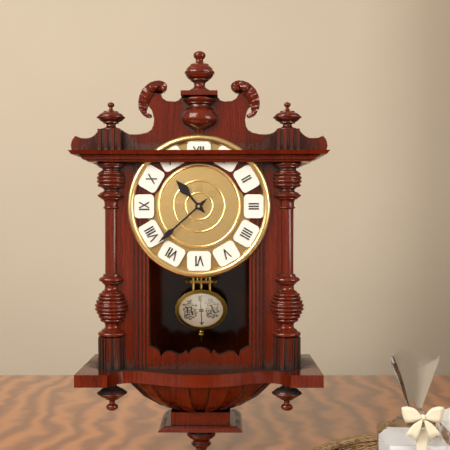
10:38
